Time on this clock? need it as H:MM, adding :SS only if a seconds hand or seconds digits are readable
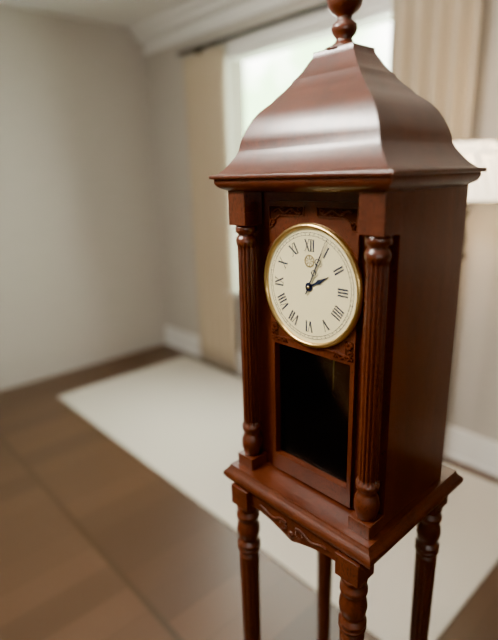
2:04
